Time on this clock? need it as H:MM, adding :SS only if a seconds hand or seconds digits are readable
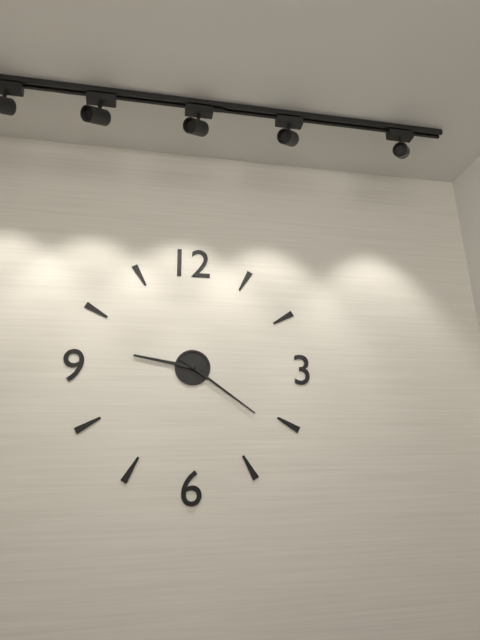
9:21
